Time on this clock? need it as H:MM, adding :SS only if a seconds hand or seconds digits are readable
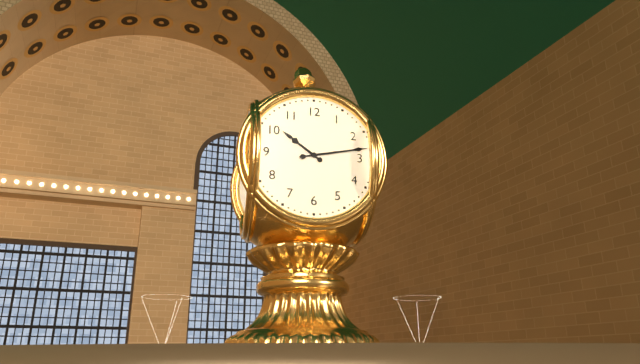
10:13
